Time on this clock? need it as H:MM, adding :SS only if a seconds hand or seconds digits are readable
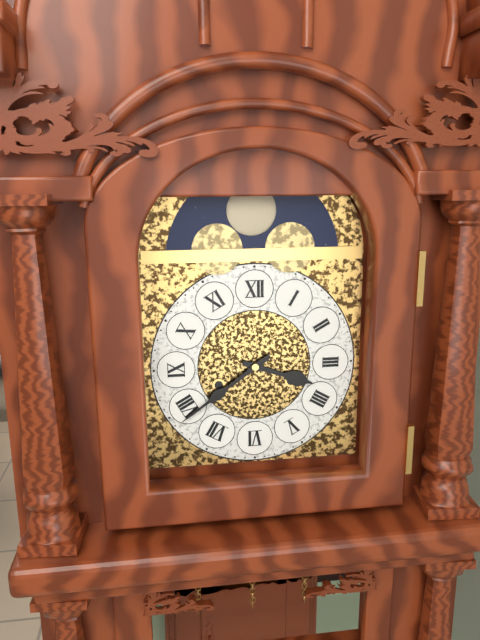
3:39
